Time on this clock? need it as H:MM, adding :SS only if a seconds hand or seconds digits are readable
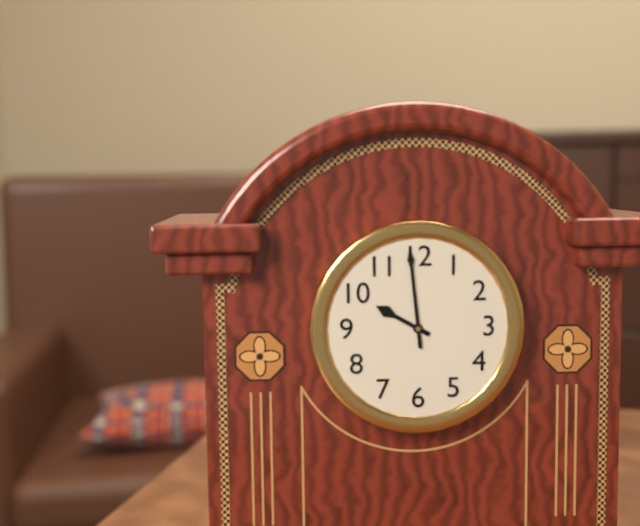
9:59
